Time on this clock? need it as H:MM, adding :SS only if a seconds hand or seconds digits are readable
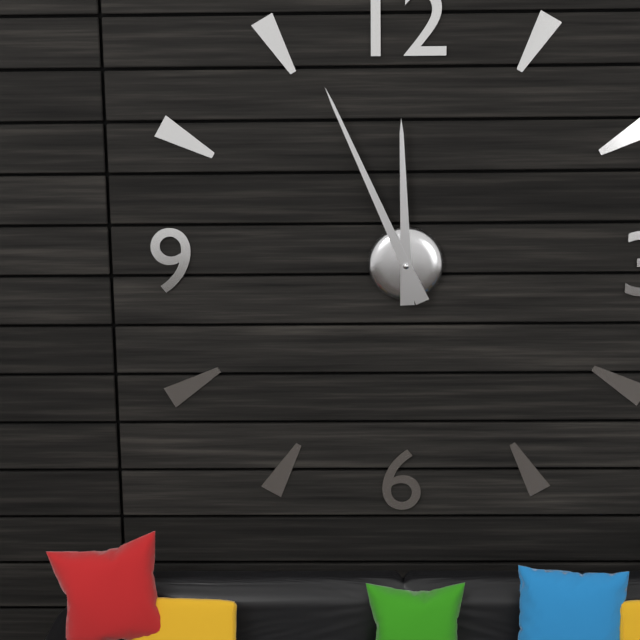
11:56
